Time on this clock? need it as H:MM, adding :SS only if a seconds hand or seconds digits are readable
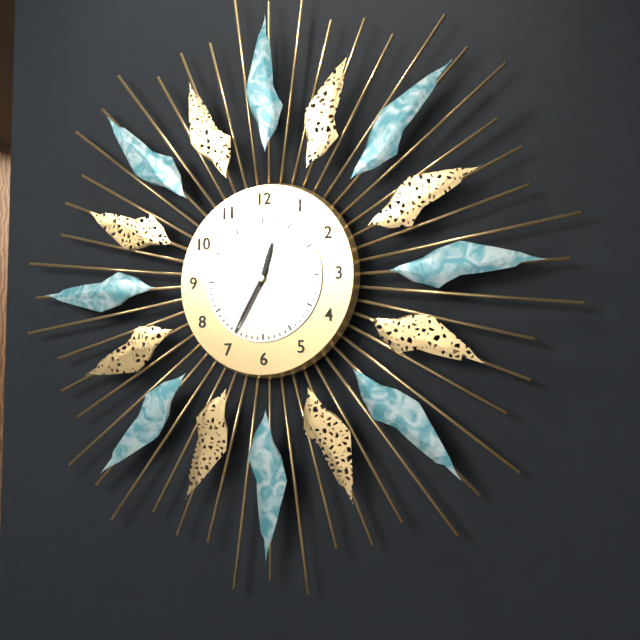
12:35
